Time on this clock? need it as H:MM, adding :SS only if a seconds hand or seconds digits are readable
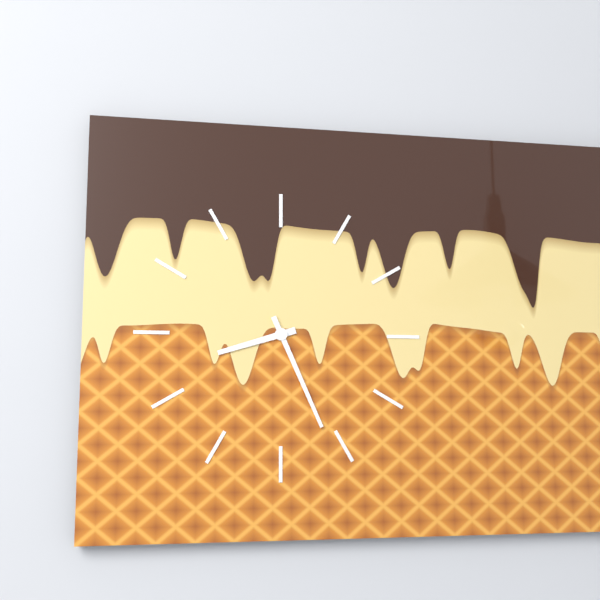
8:26
